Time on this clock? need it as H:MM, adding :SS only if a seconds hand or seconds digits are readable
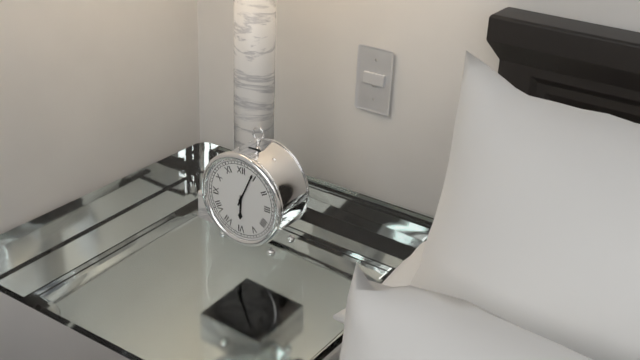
6:04
